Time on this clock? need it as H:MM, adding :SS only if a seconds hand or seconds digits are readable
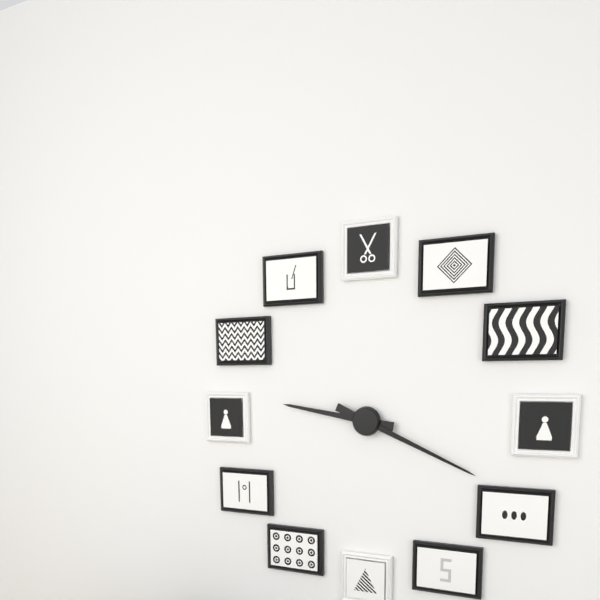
9:19
